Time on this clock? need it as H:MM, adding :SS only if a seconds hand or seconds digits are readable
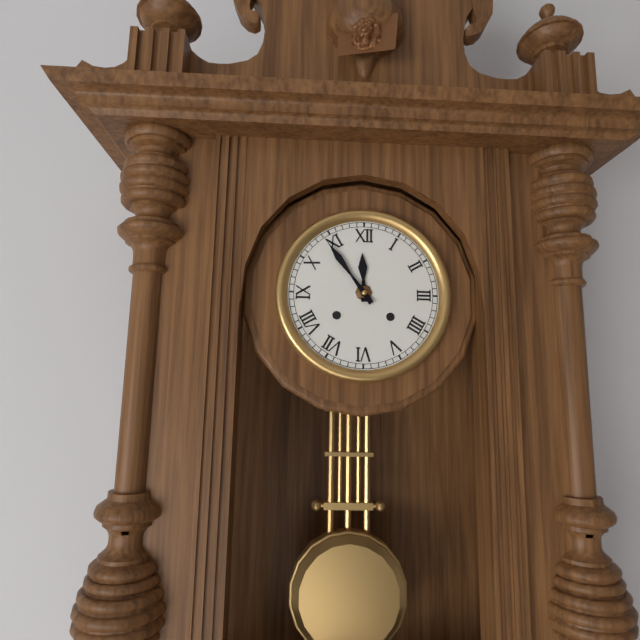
11:54
